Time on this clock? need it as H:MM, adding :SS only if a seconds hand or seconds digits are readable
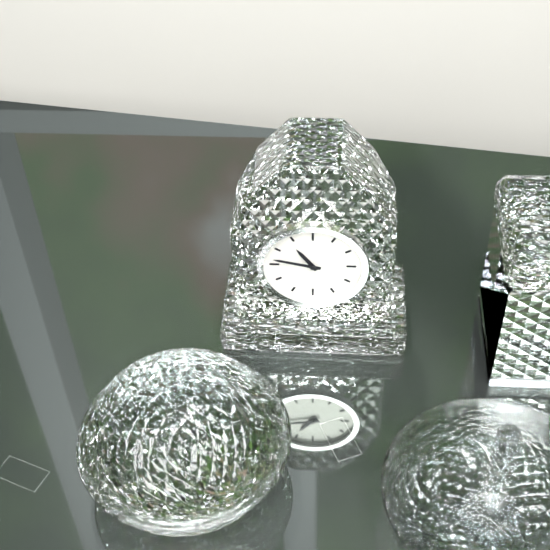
10:47
